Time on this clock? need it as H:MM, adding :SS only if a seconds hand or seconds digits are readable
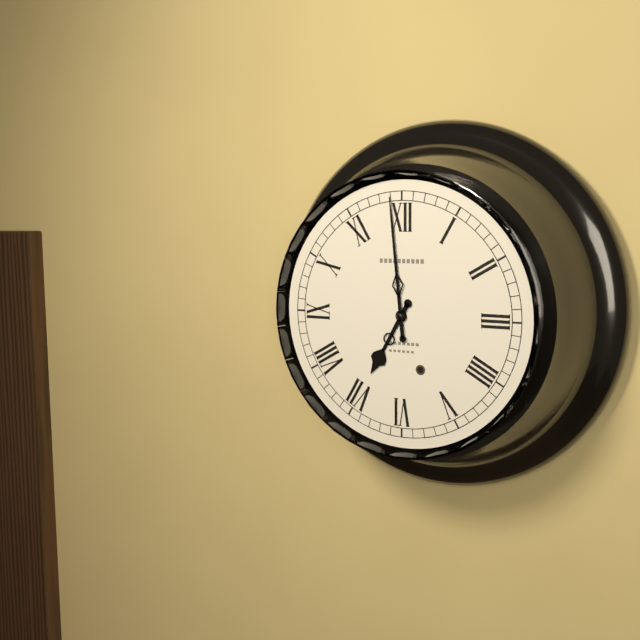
6:59
